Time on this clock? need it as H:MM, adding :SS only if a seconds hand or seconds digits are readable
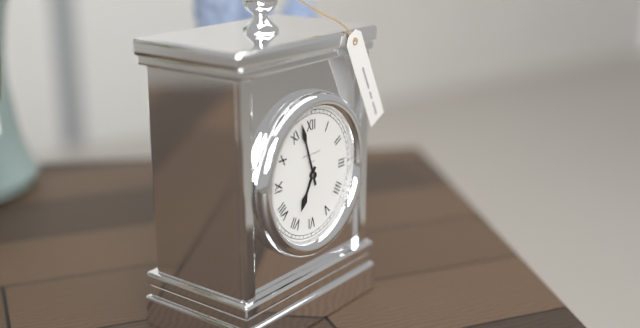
6:57
